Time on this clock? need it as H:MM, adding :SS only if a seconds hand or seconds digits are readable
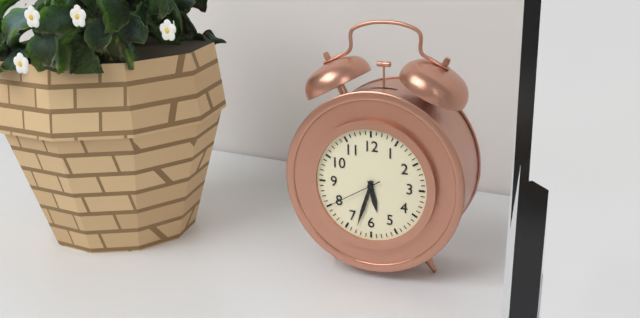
5:33:40
